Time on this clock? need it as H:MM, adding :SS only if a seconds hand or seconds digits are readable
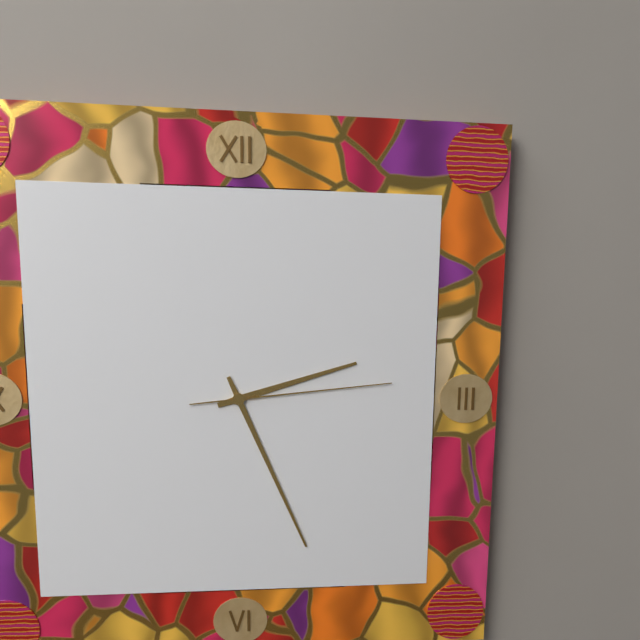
2:26:14
